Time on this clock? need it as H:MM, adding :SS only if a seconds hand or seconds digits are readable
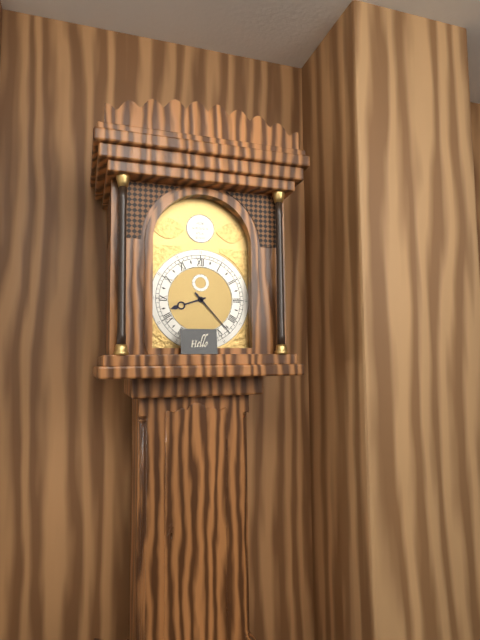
8:23
